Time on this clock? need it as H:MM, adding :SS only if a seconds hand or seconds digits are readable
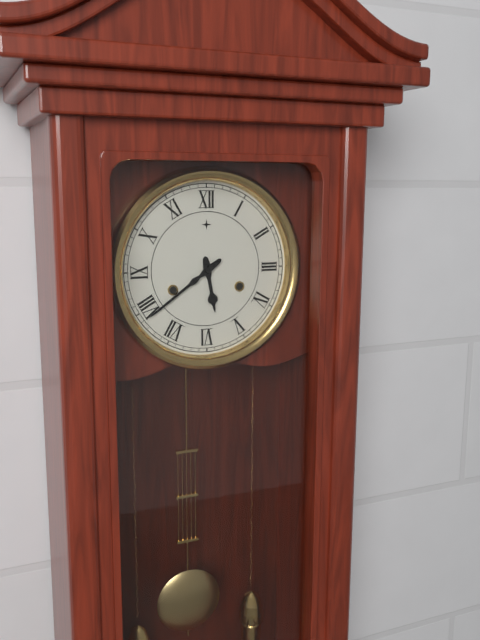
5:39
